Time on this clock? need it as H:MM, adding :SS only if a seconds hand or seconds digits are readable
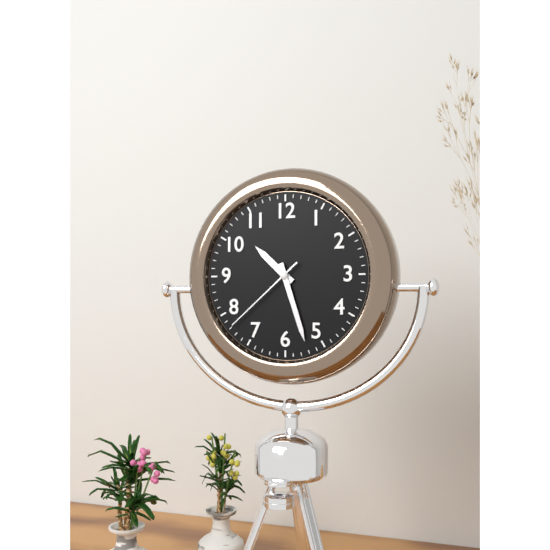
10:27:38
